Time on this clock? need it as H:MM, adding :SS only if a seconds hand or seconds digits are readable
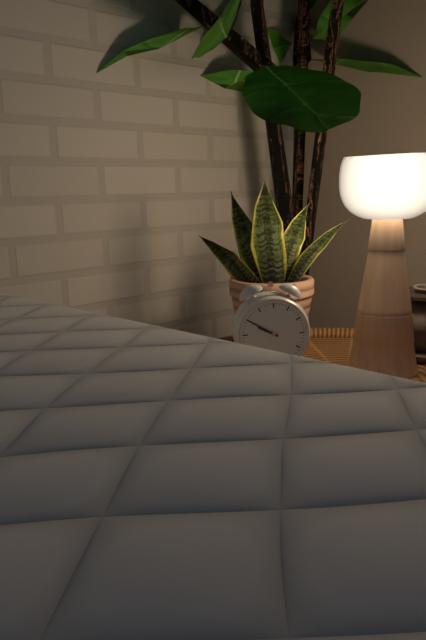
9:50
